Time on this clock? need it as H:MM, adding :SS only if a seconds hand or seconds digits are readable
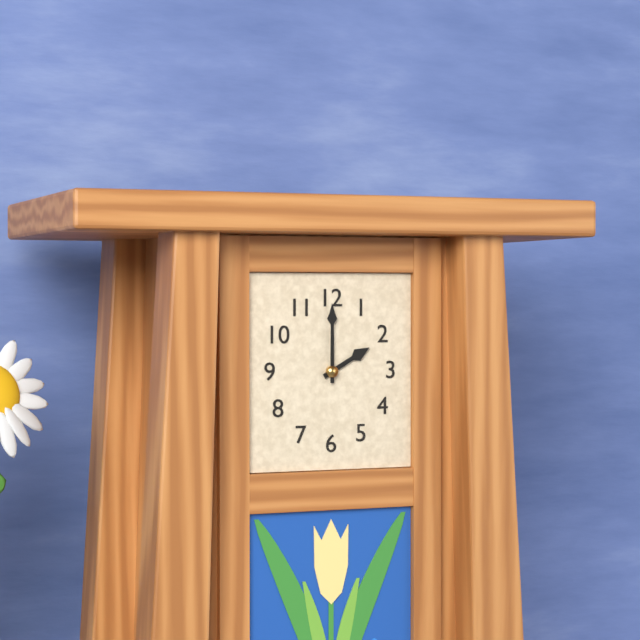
2:00
